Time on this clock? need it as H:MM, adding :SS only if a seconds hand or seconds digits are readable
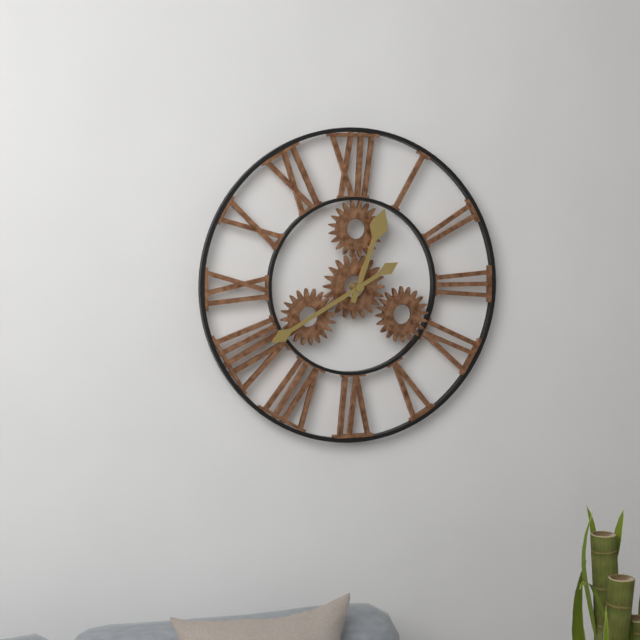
12:40
